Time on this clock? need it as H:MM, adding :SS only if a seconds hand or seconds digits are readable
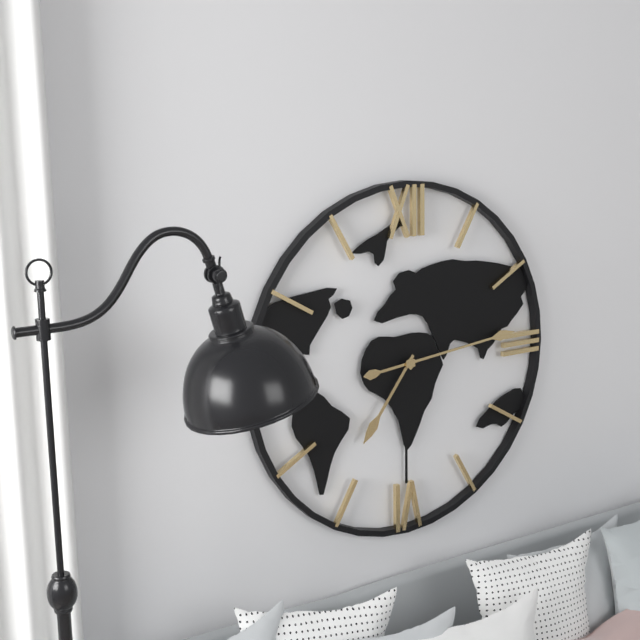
7:14
